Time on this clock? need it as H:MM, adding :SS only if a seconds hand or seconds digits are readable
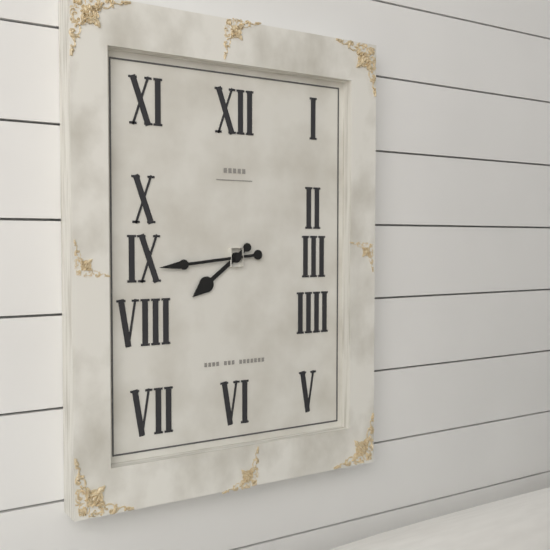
7:44
